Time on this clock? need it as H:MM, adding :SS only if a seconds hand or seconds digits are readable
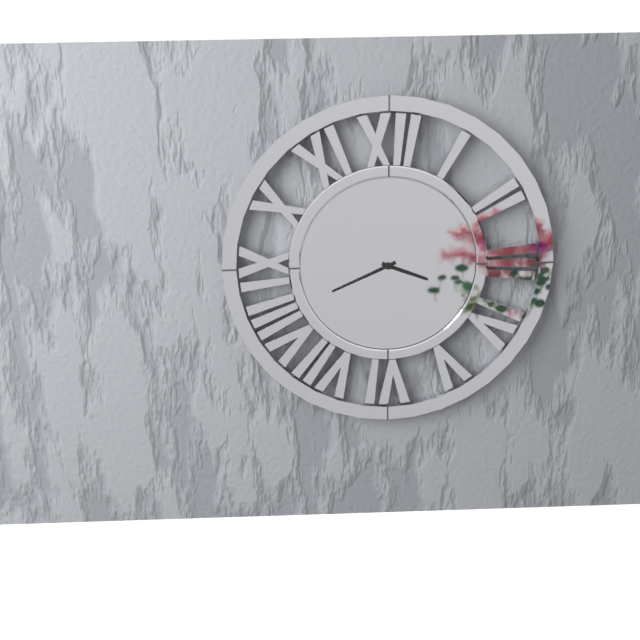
3:41
